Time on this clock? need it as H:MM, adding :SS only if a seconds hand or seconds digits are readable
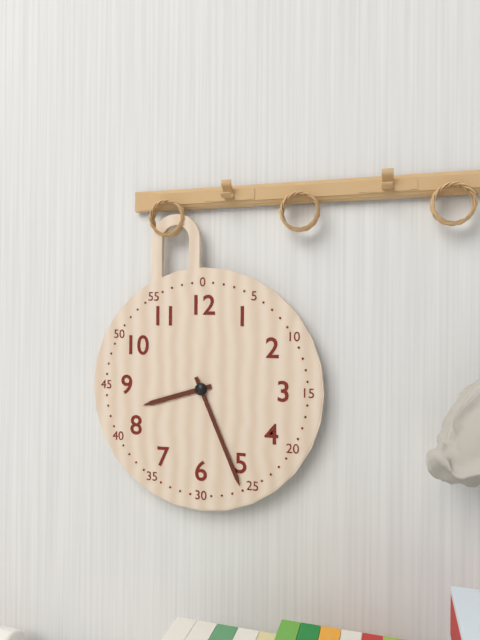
8:26
